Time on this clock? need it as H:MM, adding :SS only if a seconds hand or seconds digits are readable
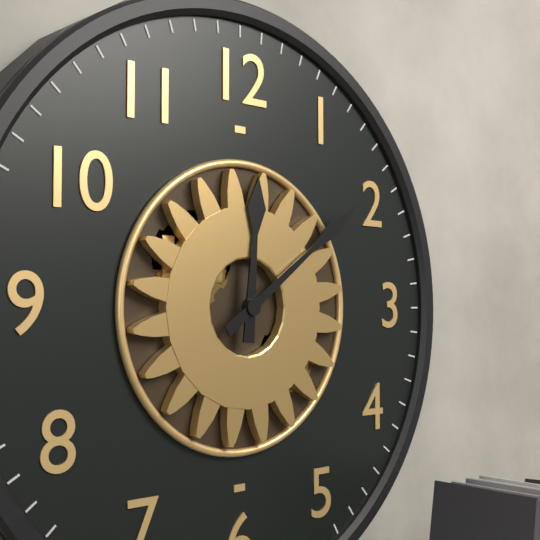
12:09
